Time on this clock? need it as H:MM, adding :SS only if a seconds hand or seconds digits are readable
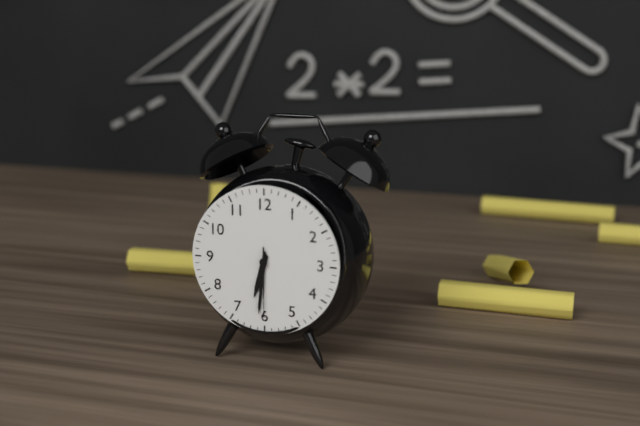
6:31:30
